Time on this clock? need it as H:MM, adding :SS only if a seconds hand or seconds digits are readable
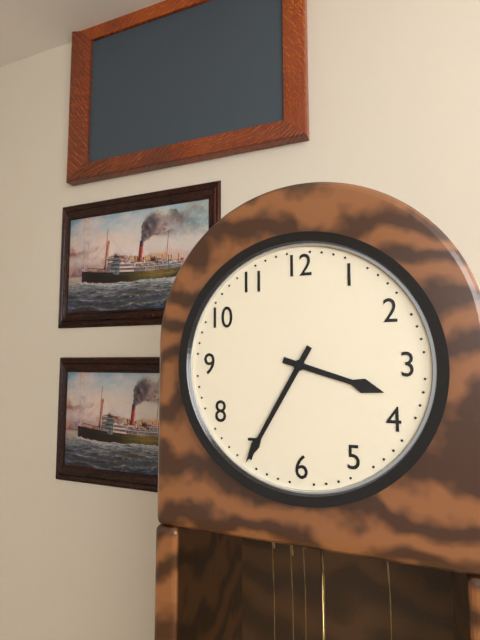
3:35
